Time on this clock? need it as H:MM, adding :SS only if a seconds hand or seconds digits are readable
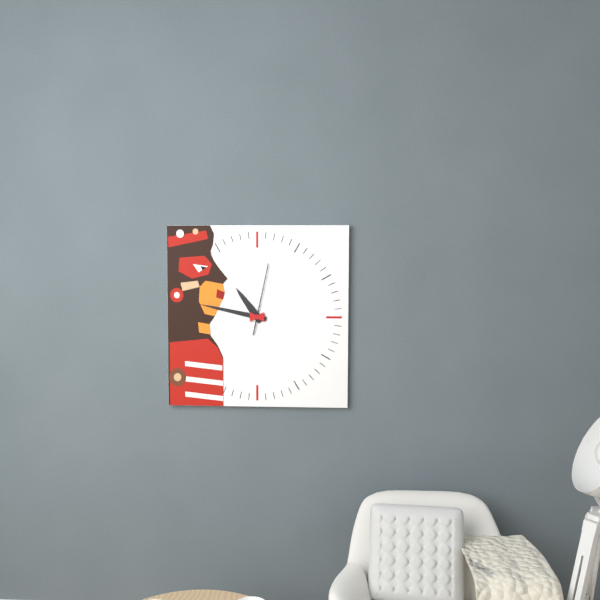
10:47:02
